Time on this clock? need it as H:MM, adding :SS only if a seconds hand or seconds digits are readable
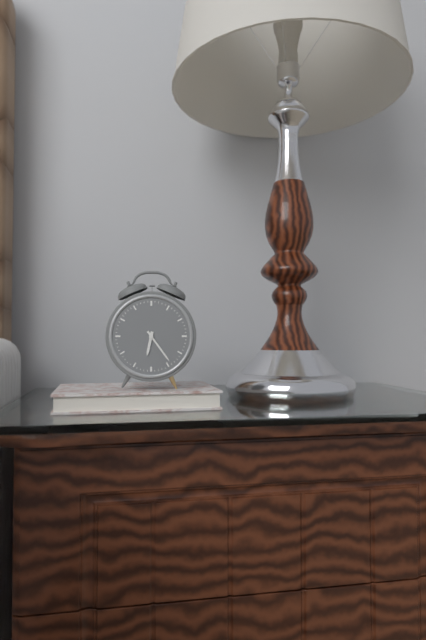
6:24
